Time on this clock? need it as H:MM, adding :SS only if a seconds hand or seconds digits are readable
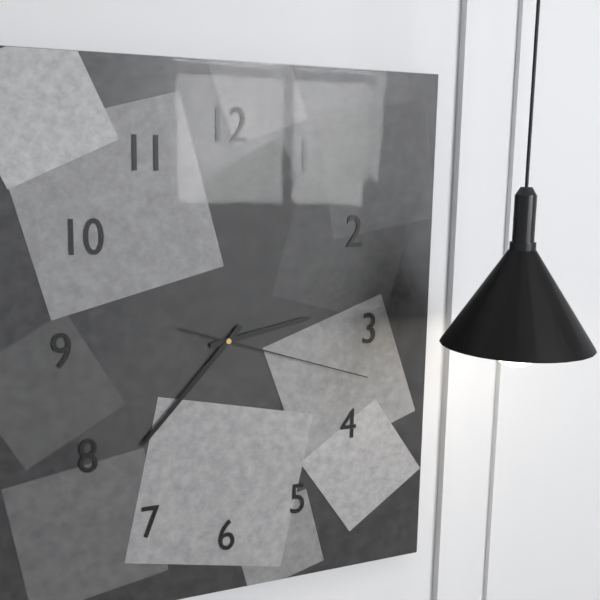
2:37:18
